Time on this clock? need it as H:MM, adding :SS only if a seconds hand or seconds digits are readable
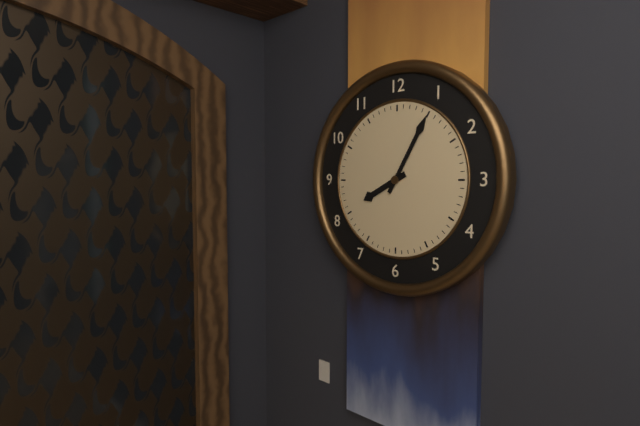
8:05
